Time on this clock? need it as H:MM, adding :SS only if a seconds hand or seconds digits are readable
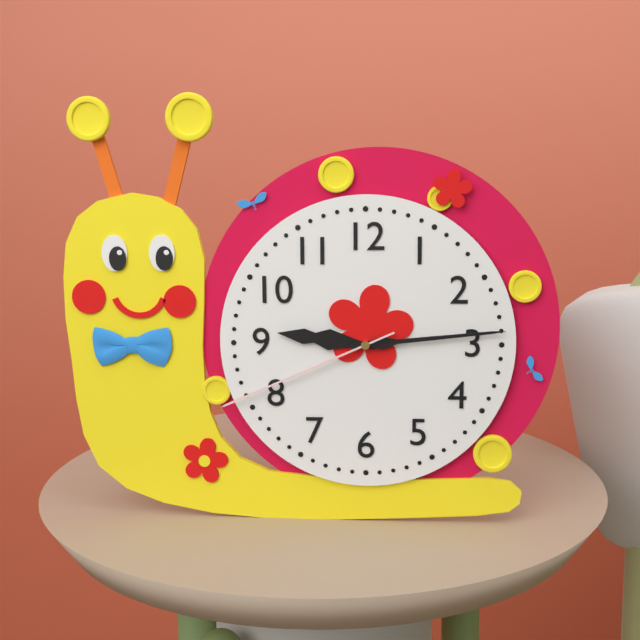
9:14:41
